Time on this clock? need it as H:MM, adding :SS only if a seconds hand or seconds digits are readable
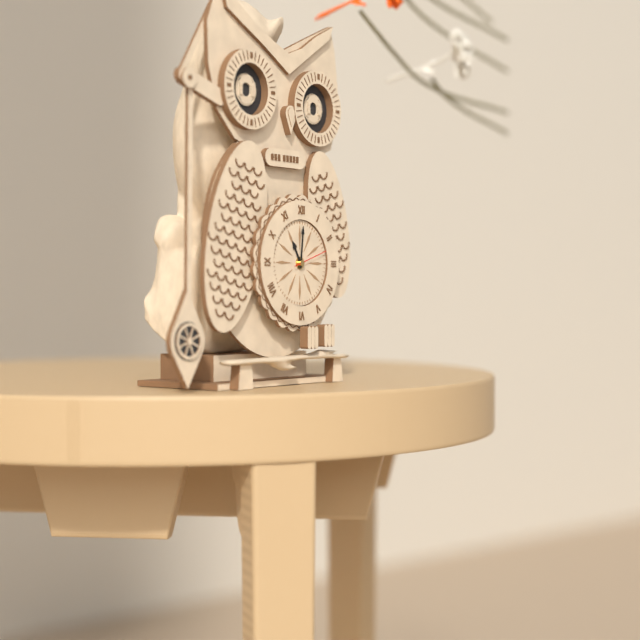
11:01
